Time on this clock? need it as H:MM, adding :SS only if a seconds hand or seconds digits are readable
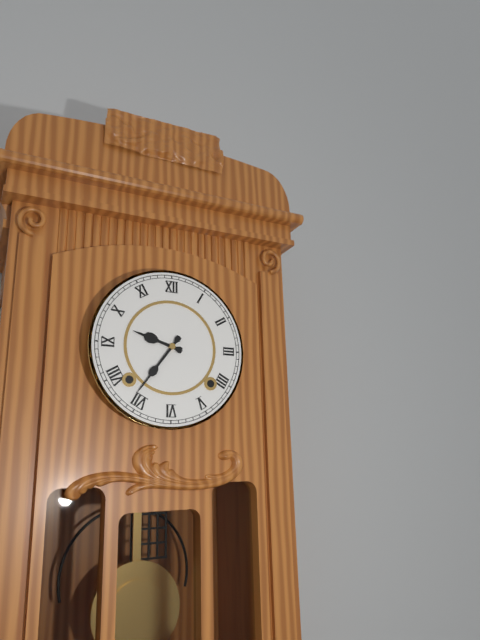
9:36
